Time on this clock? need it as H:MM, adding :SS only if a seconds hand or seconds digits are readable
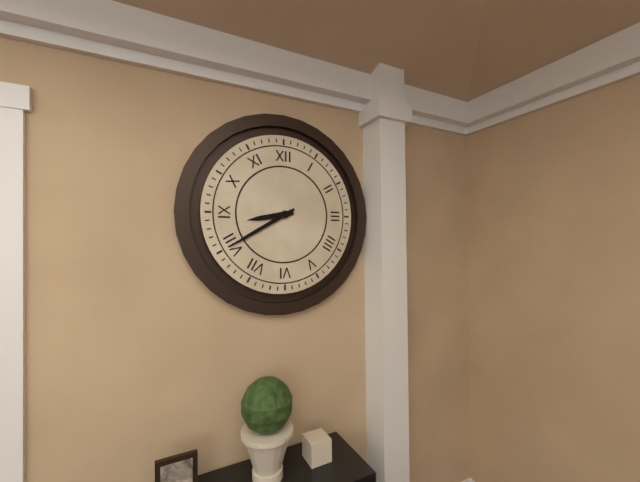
8:40
